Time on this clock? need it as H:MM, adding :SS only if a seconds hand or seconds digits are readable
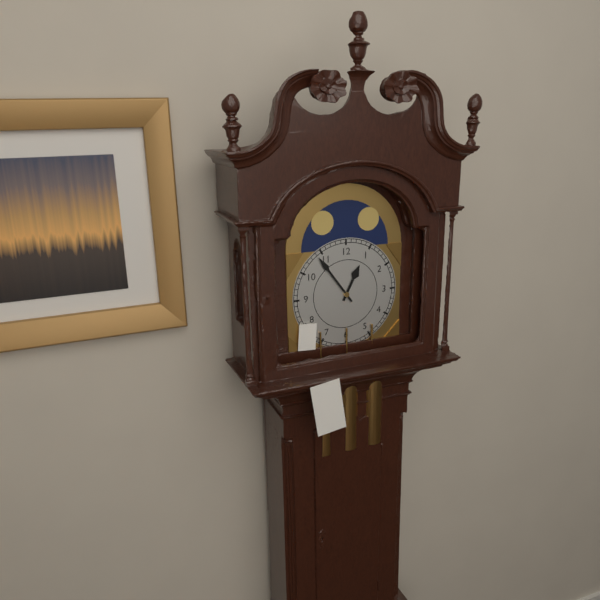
12:54
